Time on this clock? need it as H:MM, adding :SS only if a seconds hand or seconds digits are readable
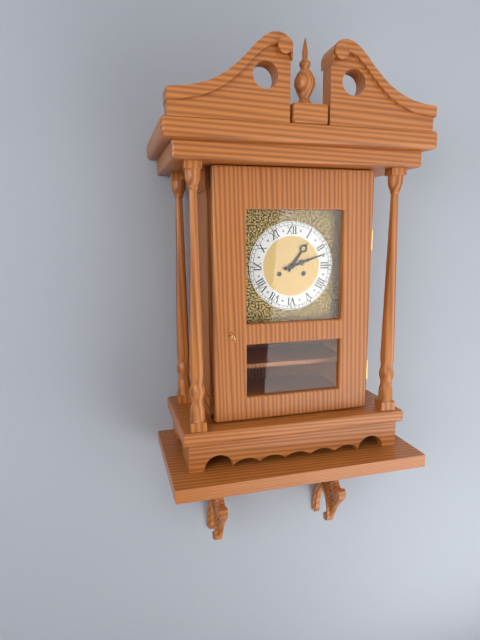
1:12
